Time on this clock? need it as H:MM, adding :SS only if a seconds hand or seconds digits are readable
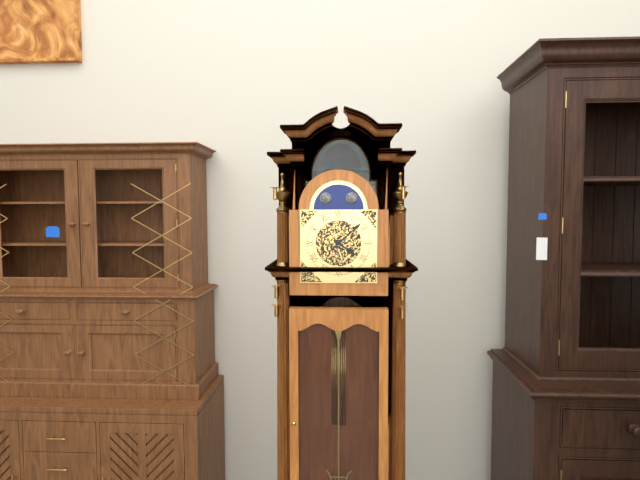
4:08
